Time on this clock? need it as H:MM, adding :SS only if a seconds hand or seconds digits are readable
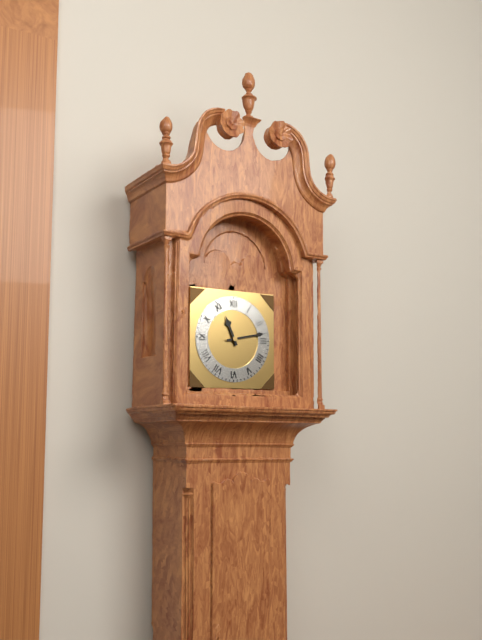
11:13
